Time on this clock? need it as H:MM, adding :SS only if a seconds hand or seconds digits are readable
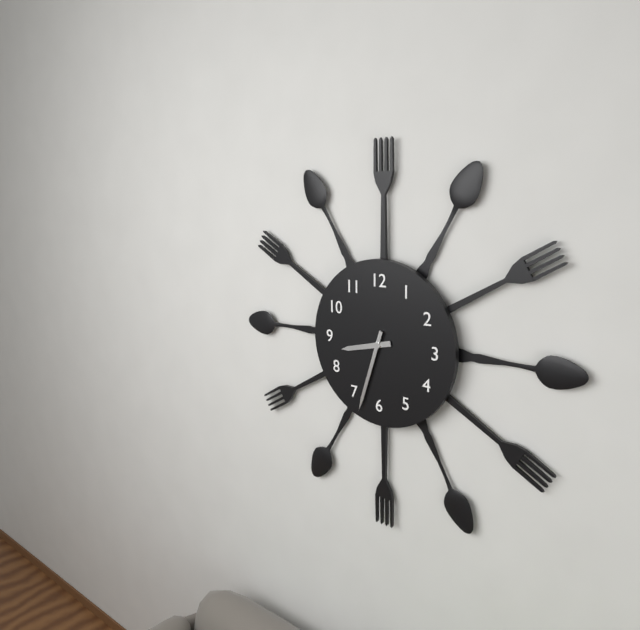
8:33
